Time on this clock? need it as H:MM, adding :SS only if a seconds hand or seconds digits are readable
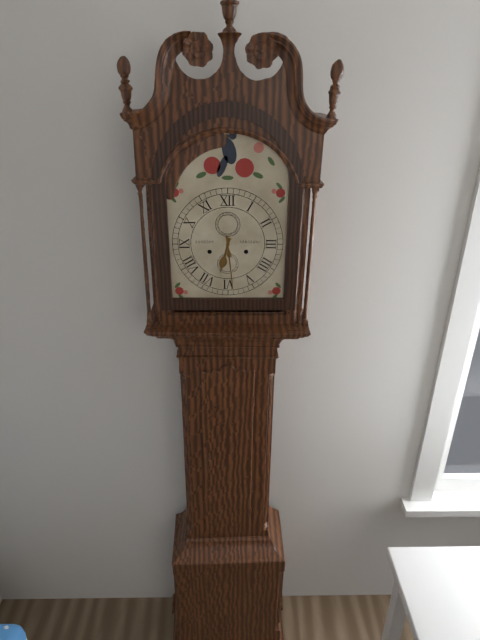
6:29
